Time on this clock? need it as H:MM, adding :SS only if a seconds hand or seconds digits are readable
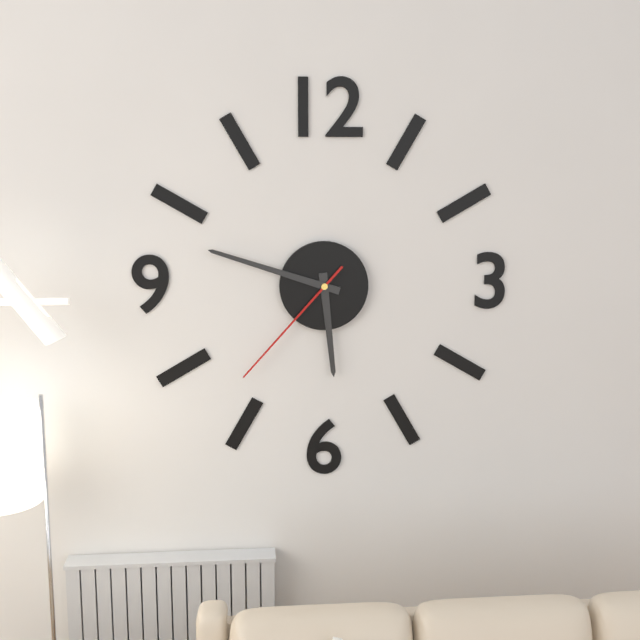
5:48:37
